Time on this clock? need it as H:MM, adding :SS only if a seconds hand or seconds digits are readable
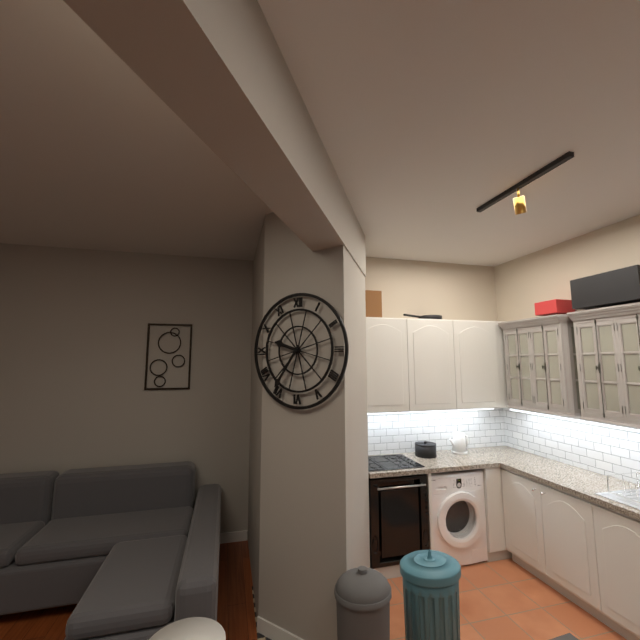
9:36
